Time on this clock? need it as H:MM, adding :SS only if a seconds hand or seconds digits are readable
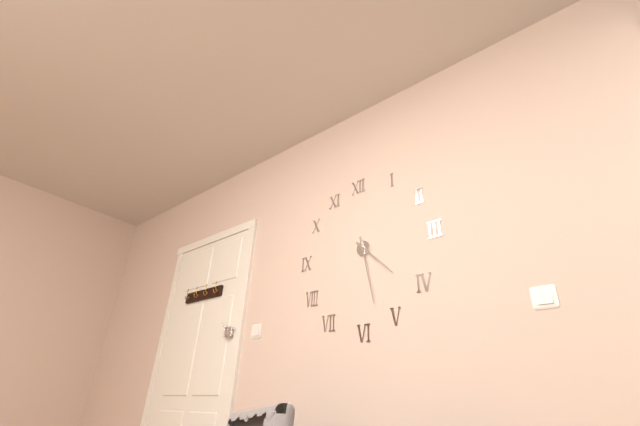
4:28
